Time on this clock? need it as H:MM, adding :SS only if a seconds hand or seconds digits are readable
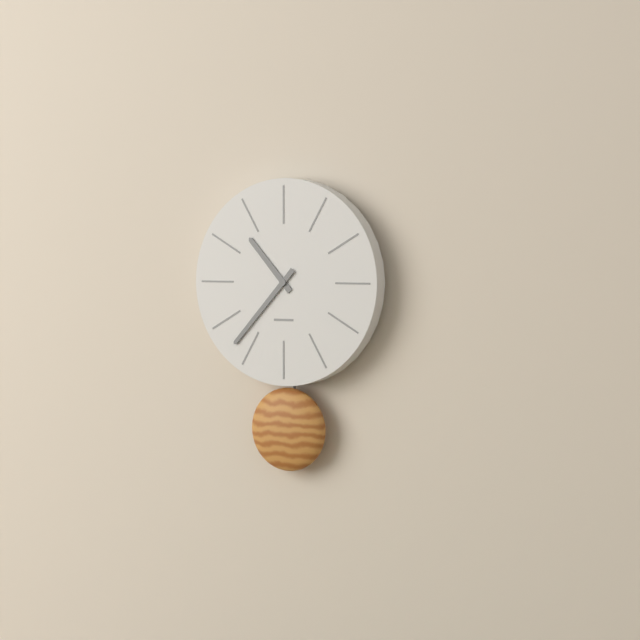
10:37
